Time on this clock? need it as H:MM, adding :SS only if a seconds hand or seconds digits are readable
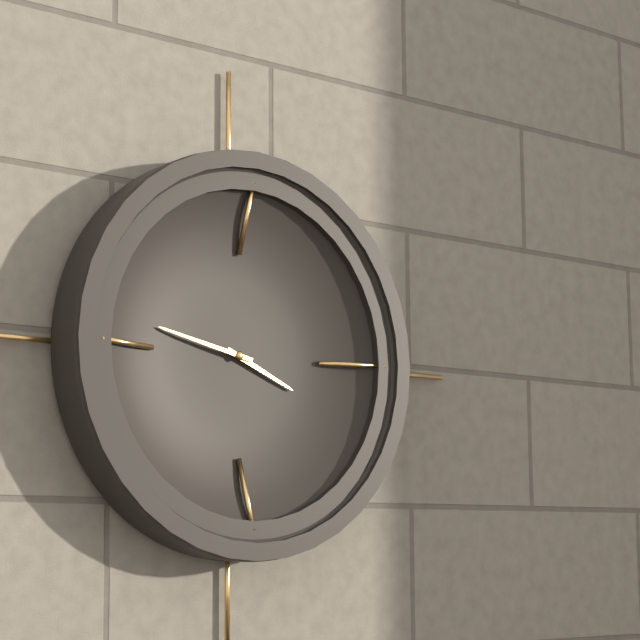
3:47
